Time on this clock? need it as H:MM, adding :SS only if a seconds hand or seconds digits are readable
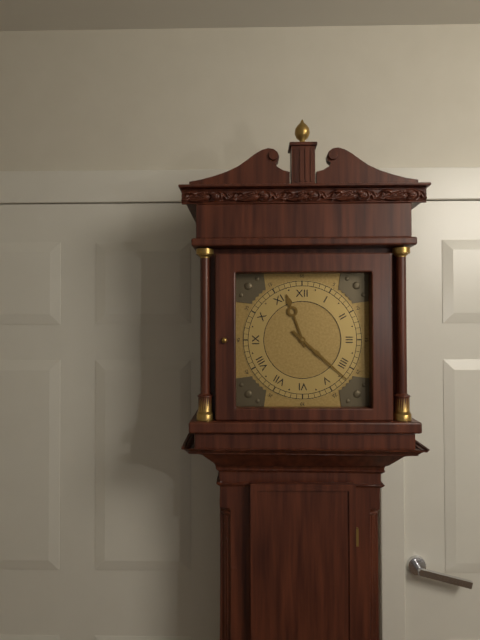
11:22
